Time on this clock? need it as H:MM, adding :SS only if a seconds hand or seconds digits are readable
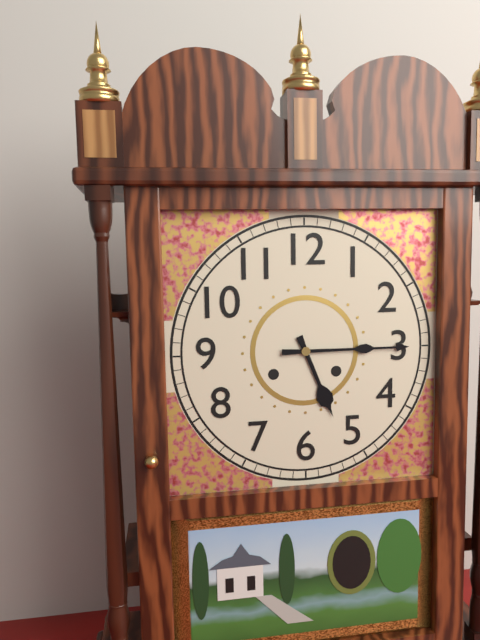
5:15
